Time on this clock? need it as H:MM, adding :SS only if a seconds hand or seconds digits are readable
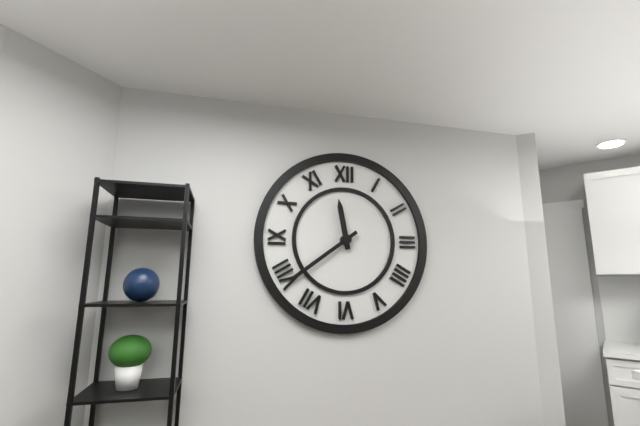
11:39
